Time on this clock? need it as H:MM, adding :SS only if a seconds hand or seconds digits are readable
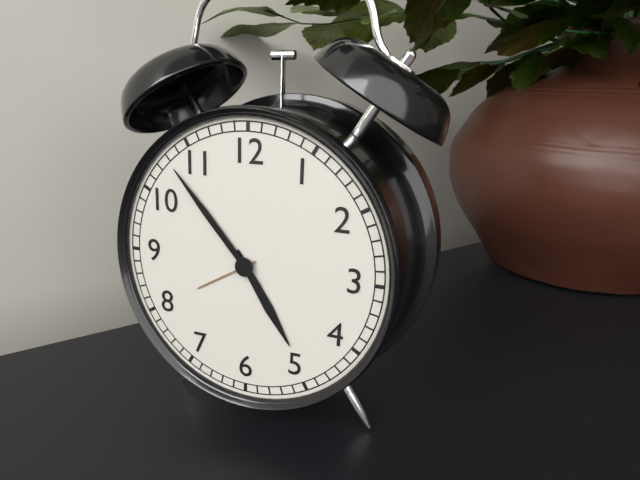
4:53
